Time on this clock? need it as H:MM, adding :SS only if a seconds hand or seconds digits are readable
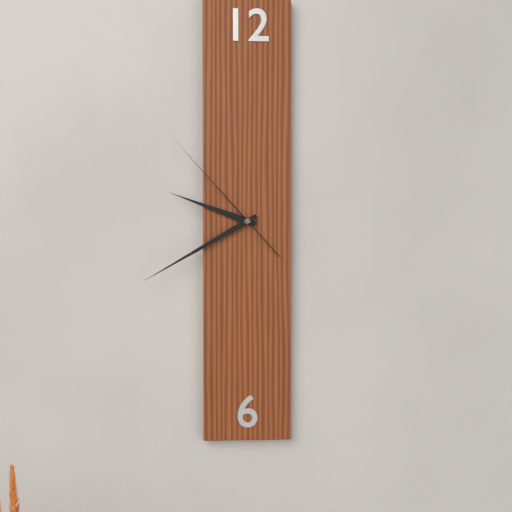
9:40:53
